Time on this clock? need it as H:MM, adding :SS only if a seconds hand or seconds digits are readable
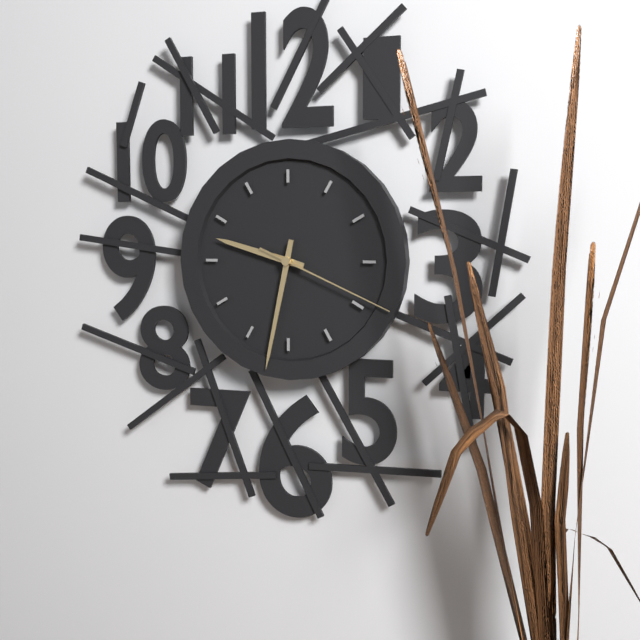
9:32:19
